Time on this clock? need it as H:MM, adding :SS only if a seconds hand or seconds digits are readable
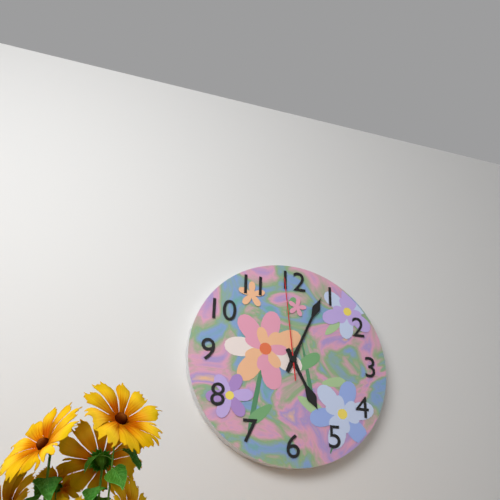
5:04:59
